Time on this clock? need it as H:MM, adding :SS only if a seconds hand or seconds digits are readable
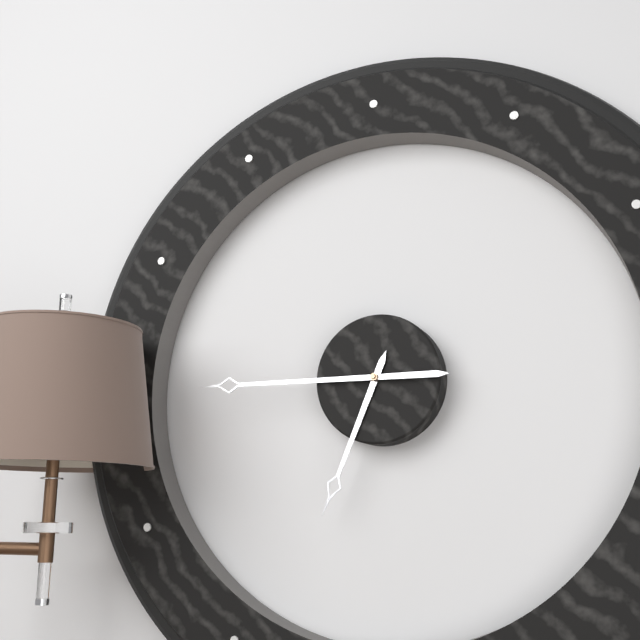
6:45
